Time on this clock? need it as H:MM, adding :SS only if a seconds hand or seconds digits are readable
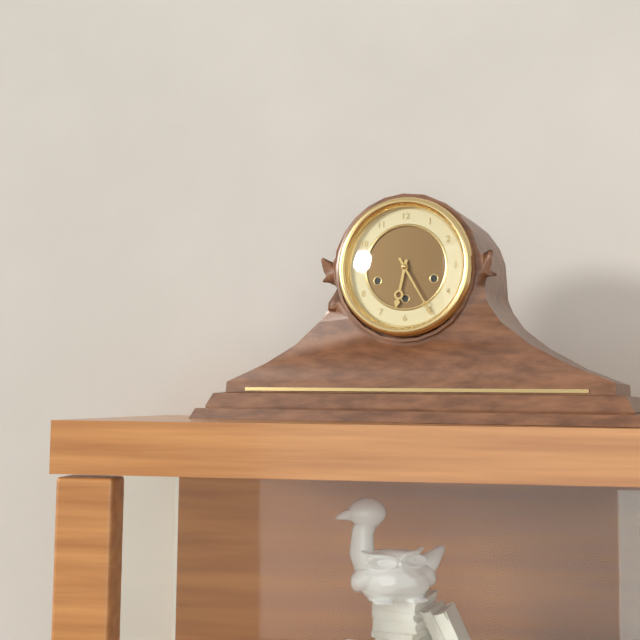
6:25
